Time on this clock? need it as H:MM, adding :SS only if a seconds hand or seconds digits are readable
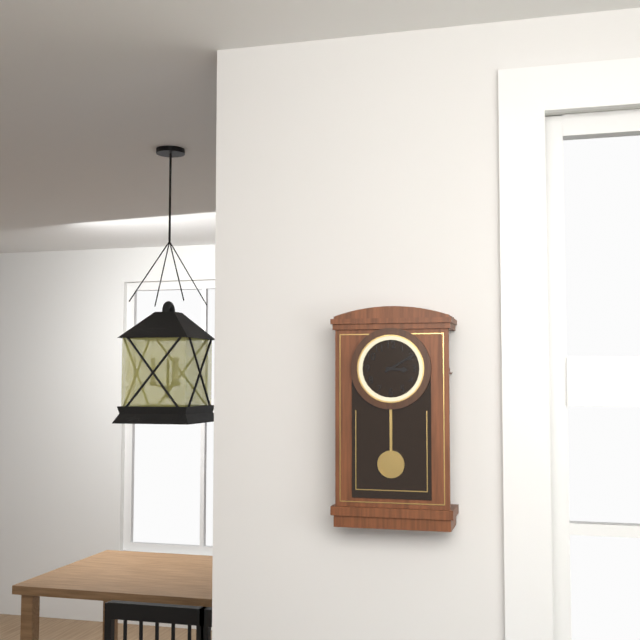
3:10
